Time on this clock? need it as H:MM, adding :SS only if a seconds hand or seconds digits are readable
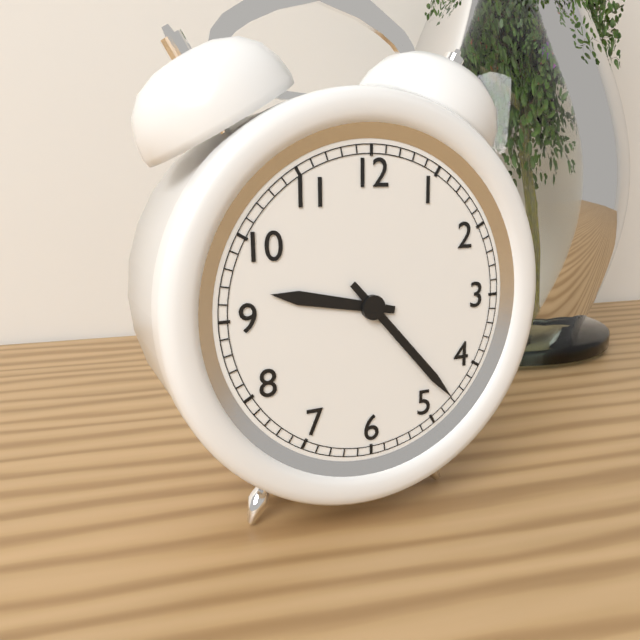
9:23
